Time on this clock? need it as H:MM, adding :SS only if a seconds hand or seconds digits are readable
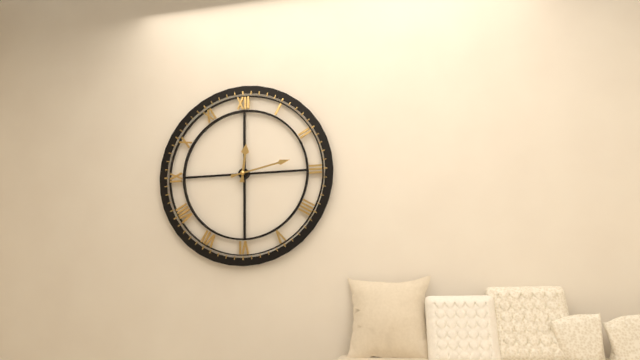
12:13
